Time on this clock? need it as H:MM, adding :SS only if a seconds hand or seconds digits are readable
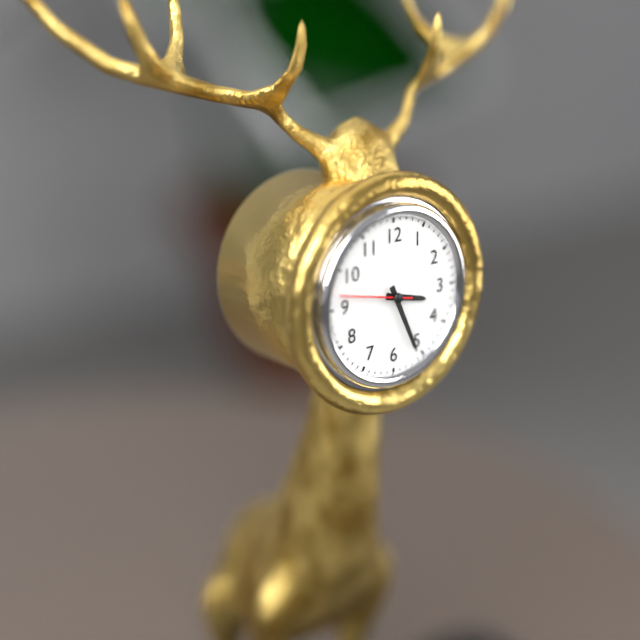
3:26:47
